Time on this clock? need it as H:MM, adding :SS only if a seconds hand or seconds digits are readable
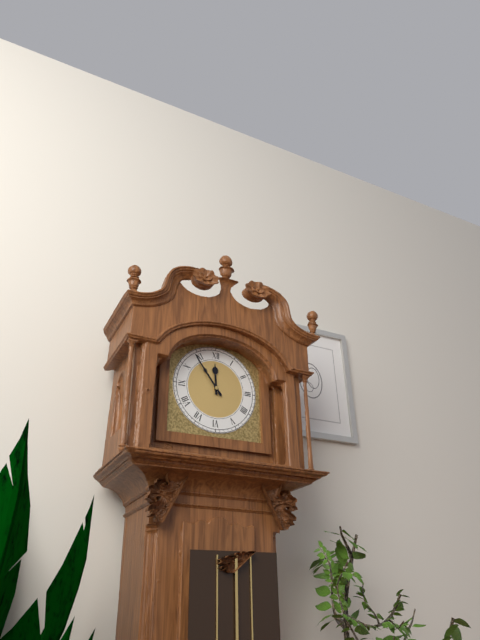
11:54
